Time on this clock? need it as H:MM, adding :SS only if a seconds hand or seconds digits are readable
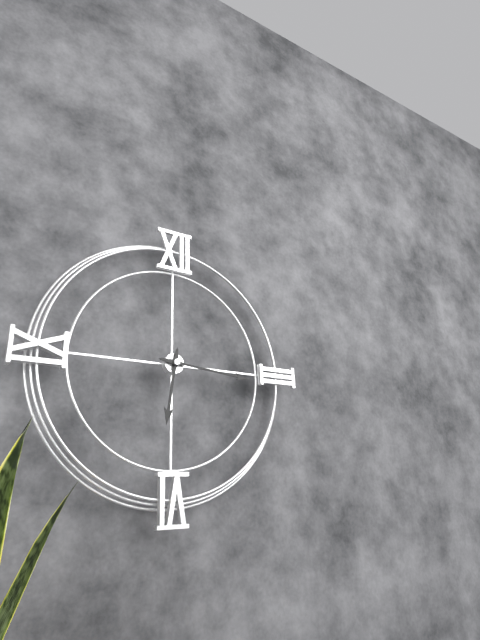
6:16
